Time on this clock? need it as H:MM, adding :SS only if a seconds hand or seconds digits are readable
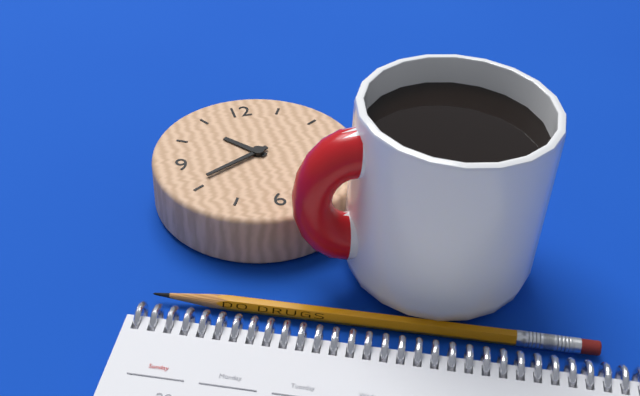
10:41
